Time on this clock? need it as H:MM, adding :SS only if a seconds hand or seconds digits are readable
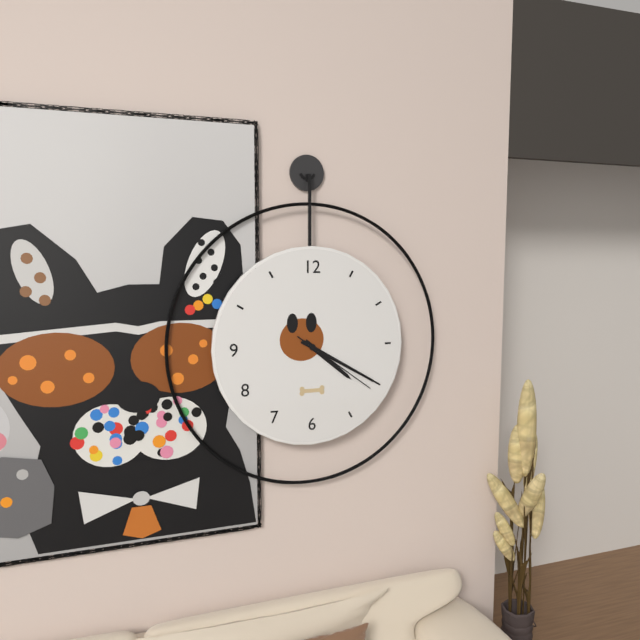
4:20:21
